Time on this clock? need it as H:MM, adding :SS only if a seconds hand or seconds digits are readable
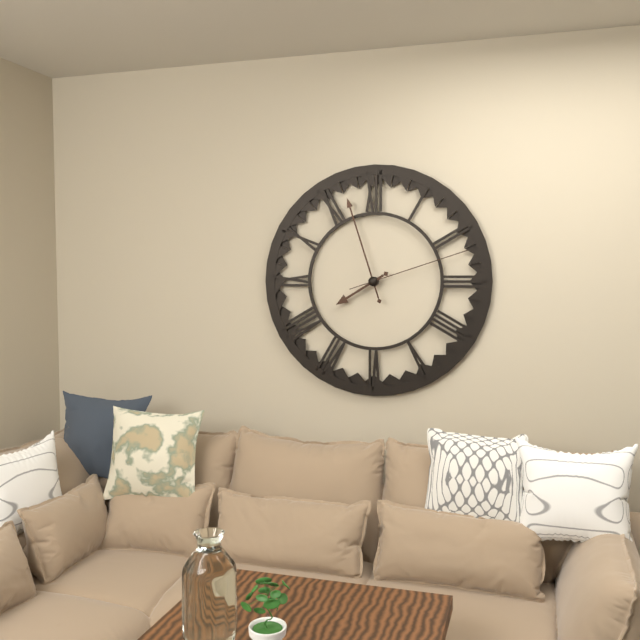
7:57:12
